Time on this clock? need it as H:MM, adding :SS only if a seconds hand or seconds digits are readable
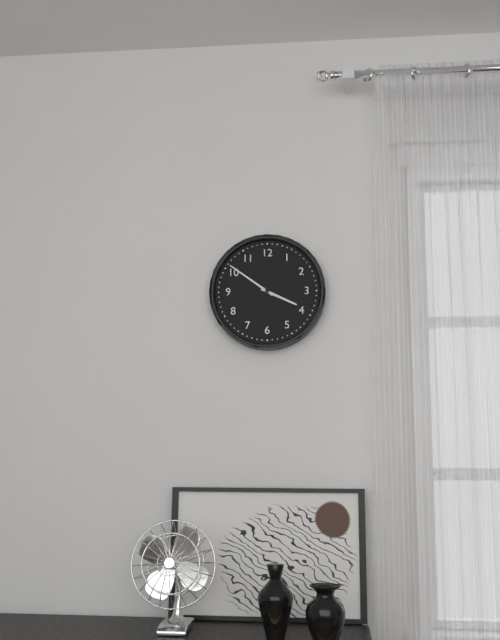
3:51
